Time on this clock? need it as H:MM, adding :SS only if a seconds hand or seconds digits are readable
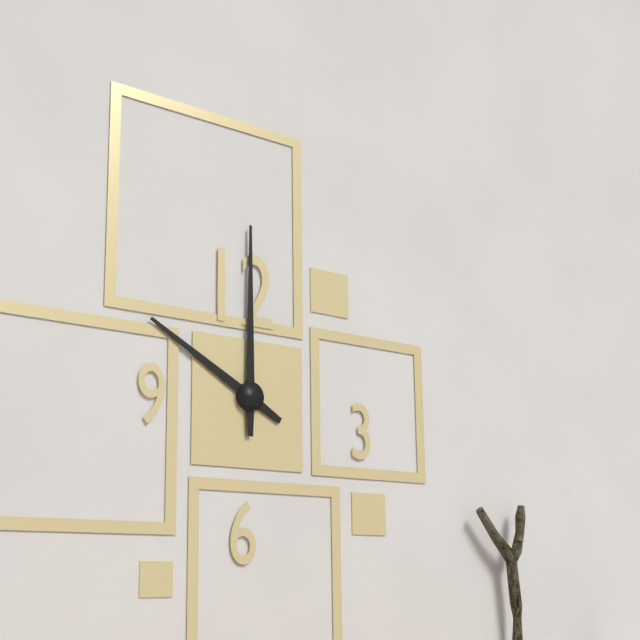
10:00
